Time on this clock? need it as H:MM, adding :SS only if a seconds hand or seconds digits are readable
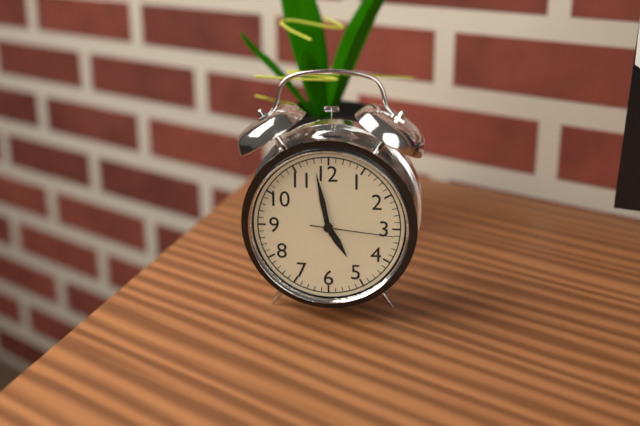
4:58:16
